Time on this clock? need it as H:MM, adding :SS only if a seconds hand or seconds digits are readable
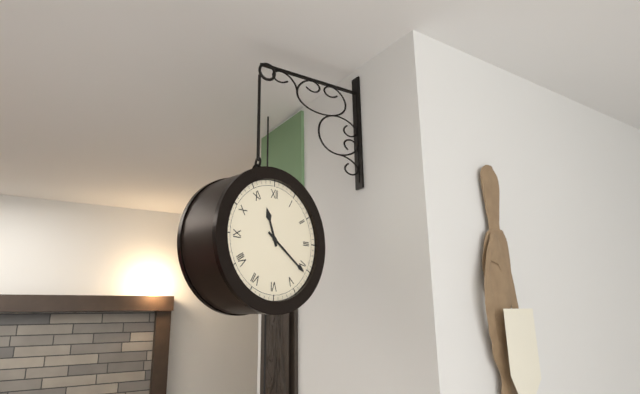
11:21
